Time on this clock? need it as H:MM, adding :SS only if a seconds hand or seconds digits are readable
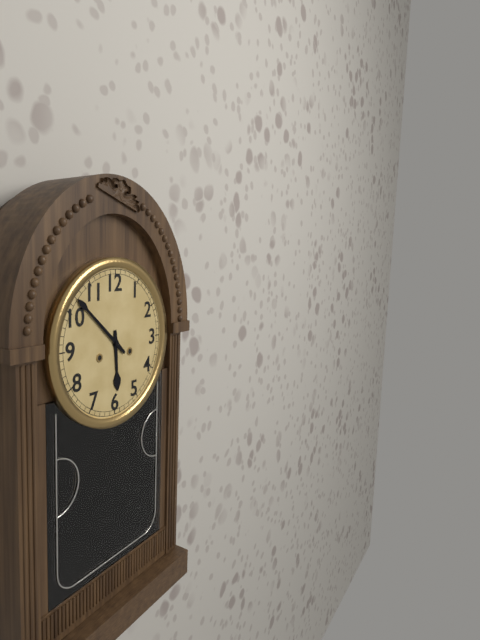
5:52
